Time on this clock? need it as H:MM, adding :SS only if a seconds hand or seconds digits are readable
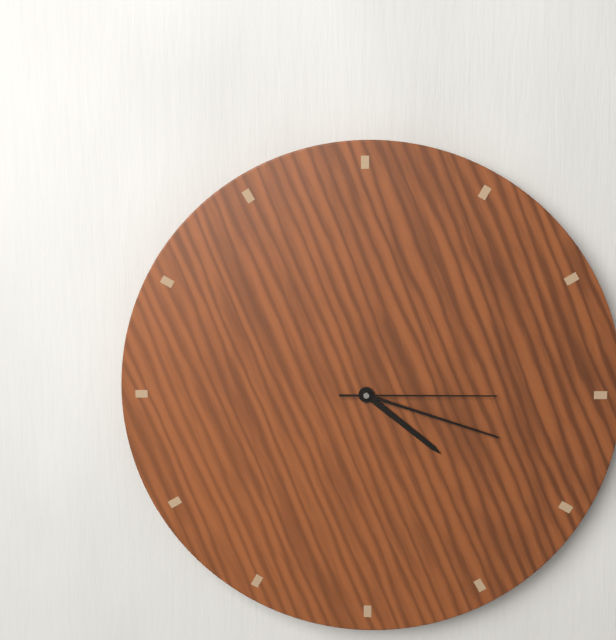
4:18:15
